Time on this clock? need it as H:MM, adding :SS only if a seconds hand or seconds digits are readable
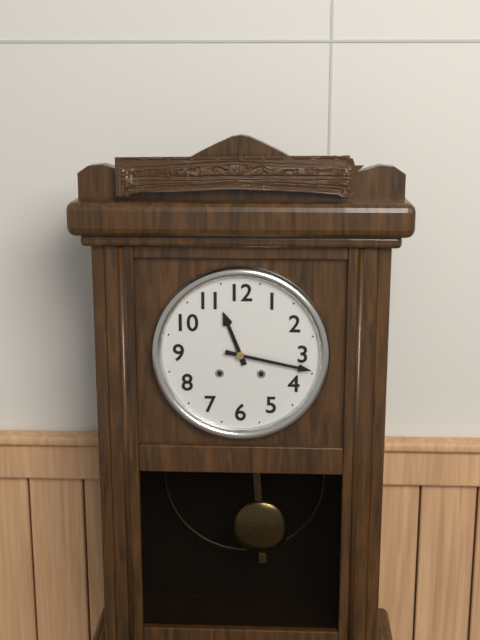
11:17
